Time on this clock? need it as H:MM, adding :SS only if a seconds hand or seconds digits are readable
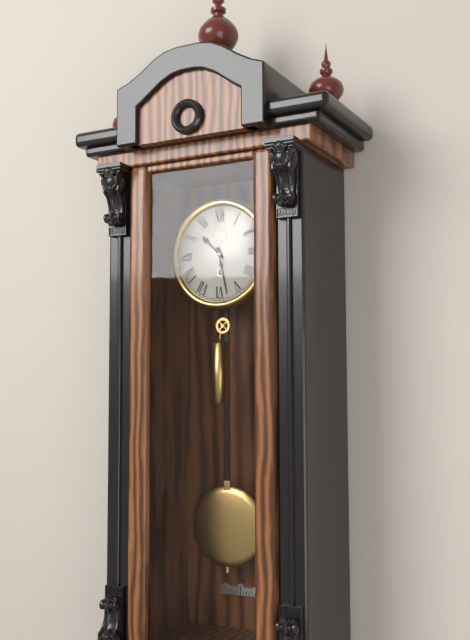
10:28
